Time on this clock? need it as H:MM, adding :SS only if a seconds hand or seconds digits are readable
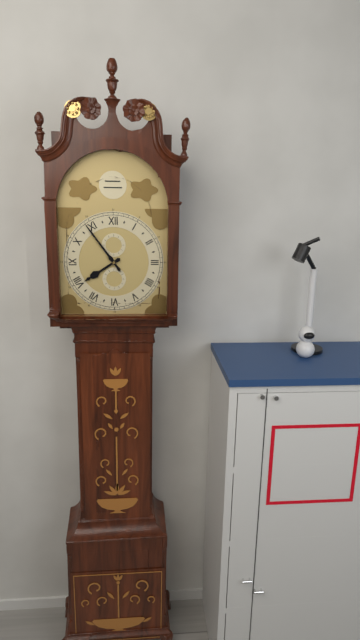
7:54
